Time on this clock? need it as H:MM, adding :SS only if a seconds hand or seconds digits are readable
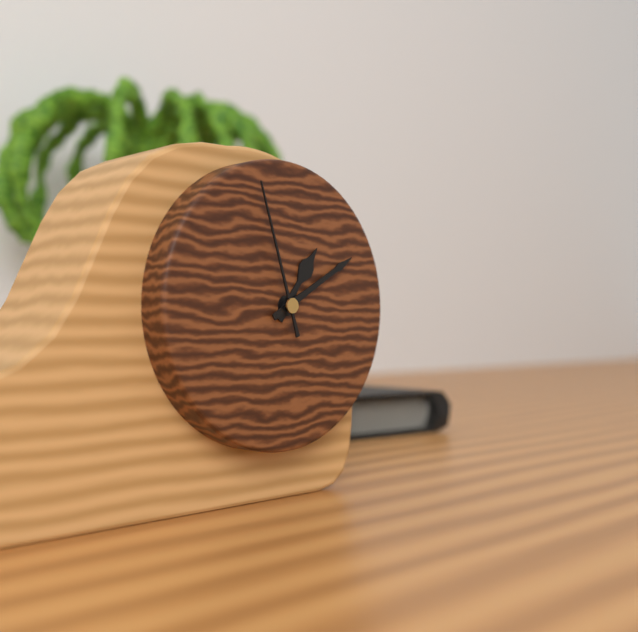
1:10:57
